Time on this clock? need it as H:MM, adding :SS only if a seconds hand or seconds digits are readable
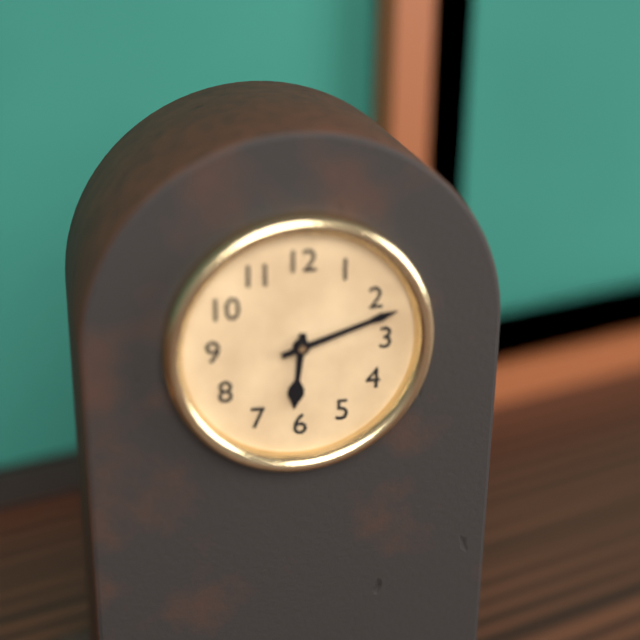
6:12
